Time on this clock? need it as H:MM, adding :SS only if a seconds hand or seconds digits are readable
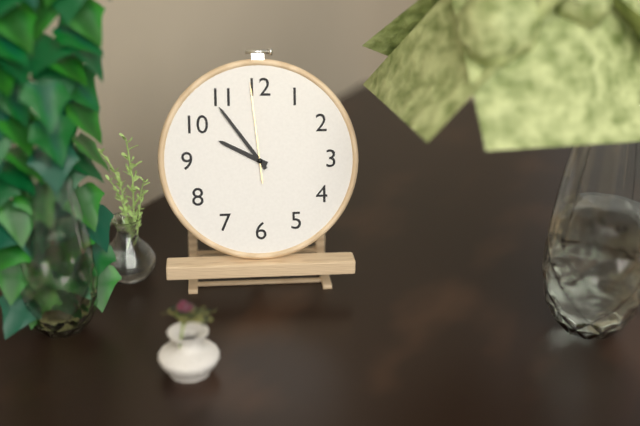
9:54:59
